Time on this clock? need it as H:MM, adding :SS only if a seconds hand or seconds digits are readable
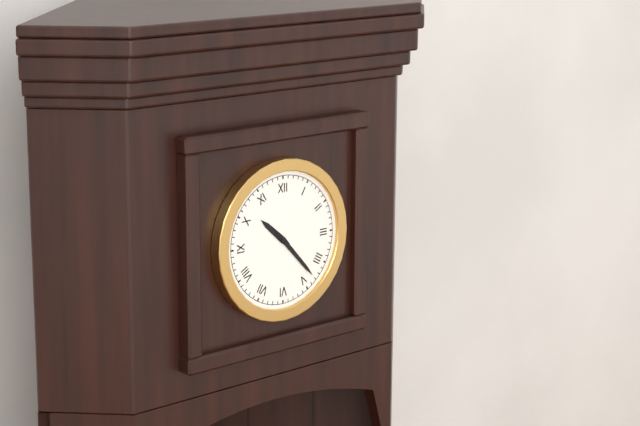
10:23
